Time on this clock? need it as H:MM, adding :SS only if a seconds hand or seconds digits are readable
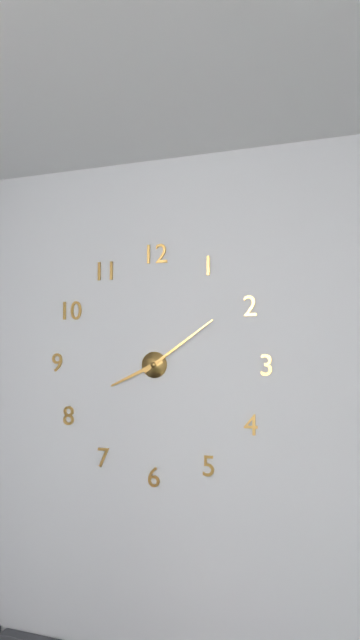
8:09
